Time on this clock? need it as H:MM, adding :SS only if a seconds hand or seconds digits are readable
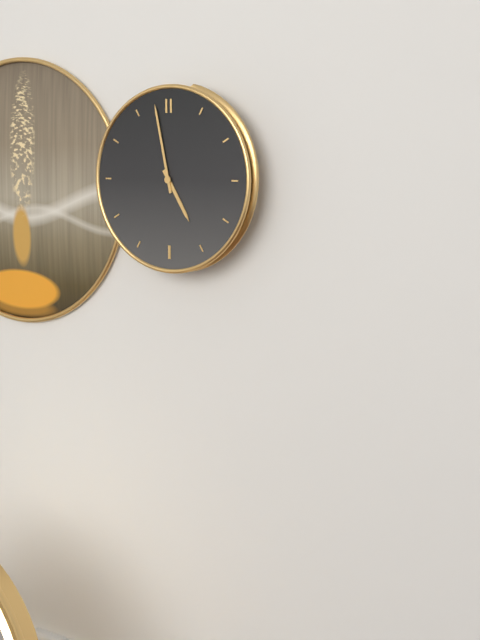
4:58
